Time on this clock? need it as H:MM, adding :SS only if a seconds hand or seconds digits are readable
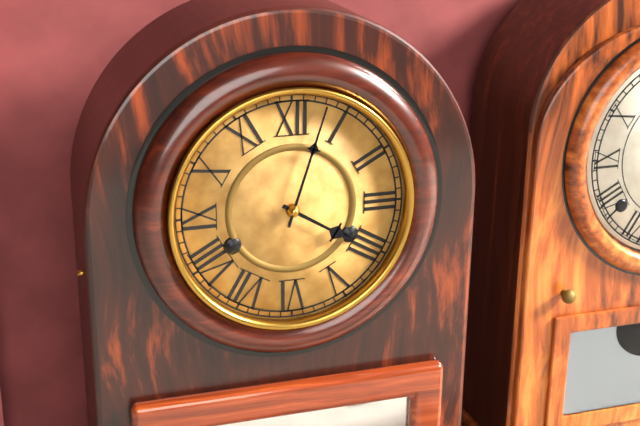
4:03
